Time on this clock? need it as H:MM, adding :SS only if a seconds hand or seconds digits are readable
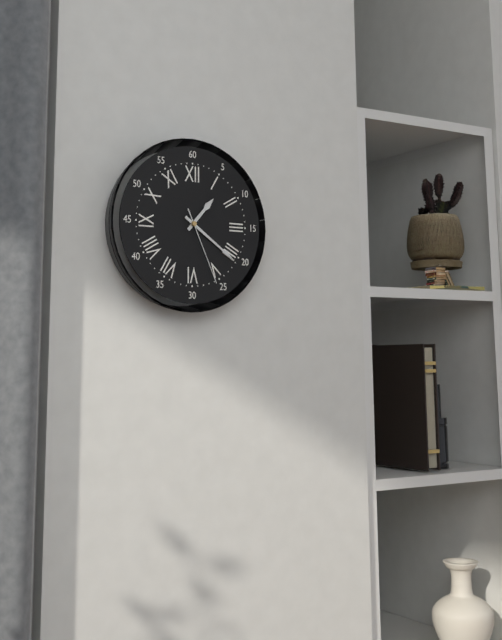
1:21:26
